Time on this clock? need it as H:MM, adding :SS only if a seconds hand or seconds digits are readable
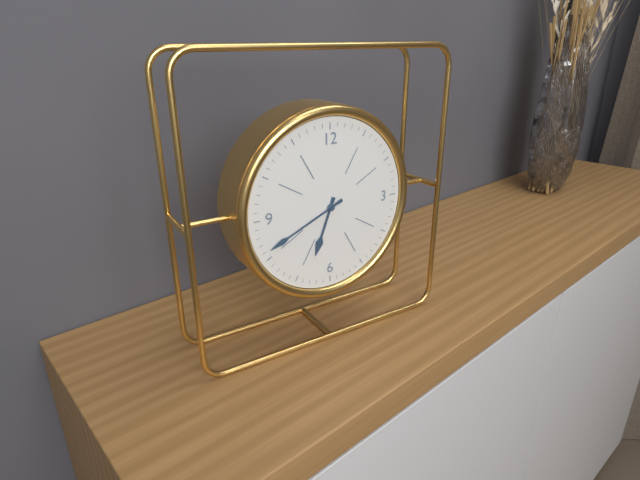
6:41
